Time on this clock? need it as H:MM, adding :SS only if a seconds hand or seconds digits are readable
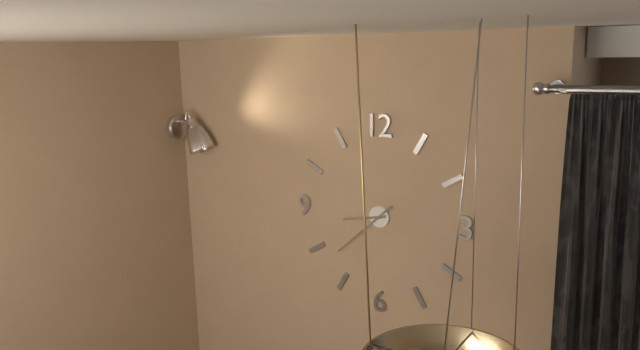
8:38
